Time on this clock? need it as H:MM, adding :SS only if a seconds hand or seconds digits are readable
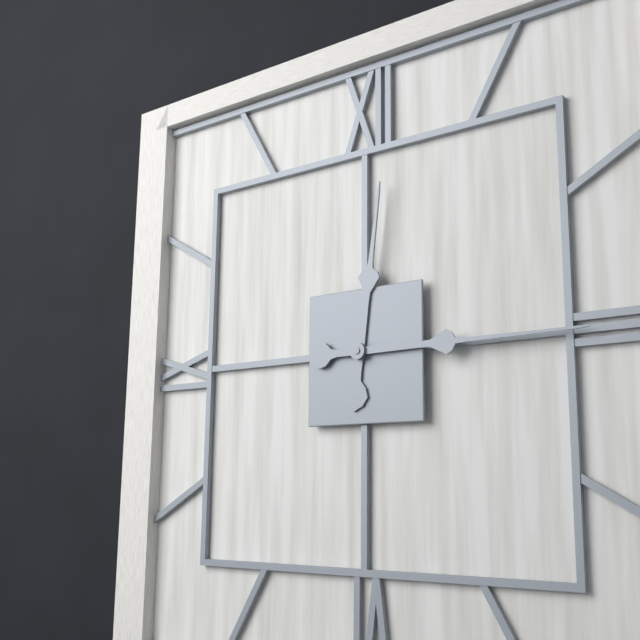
12:15
